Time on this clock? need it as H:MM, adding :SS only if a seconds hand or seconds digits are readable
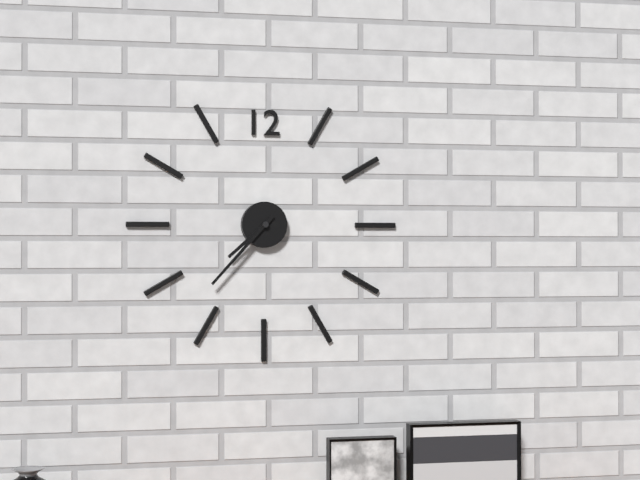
7:37
